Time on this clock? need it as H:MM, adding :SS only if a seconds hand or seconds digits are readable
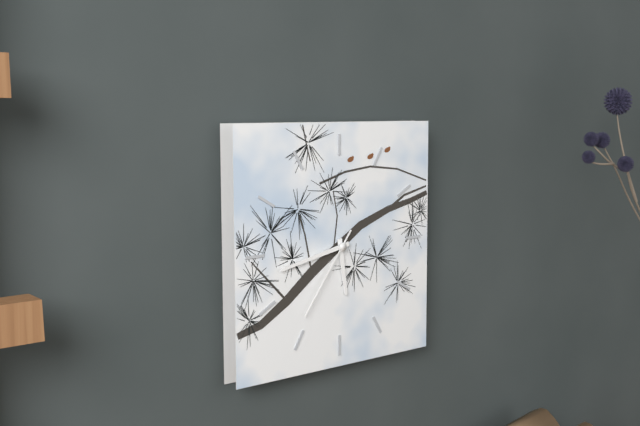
5:43:36
